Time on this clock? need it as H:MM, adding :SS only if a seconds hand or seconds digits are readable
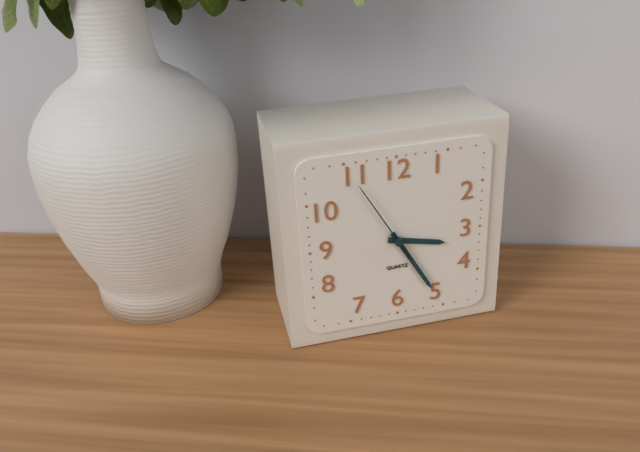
3:25:55
